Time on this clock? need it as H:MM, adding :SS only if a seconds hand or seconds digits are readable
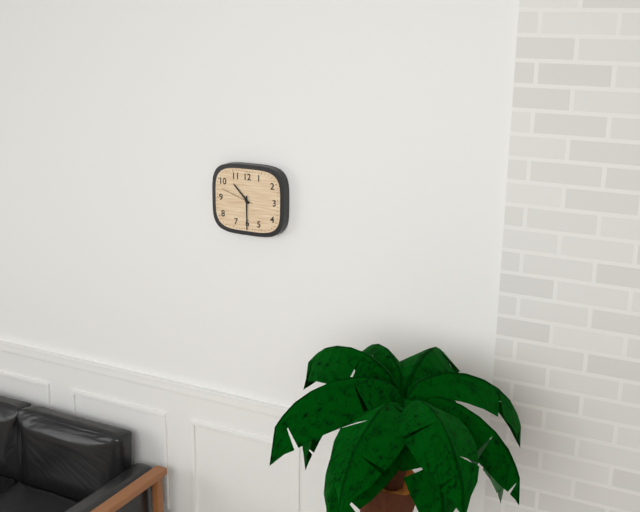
10:30
